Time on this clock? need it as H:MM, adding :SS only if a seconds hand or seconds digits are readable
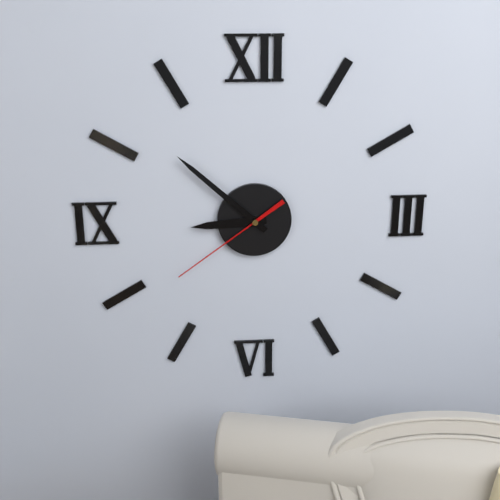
8:52:39
